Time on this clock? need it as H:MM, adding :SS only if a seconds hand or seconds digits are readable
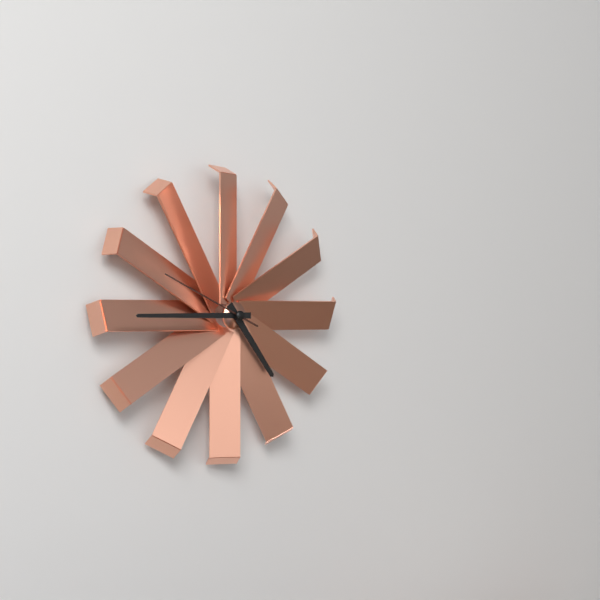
4:45:49
